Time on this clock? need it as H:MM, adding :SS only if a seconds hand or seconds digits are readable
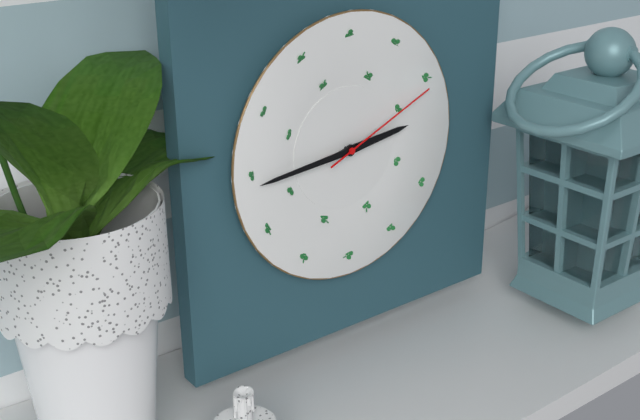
2:44:11
